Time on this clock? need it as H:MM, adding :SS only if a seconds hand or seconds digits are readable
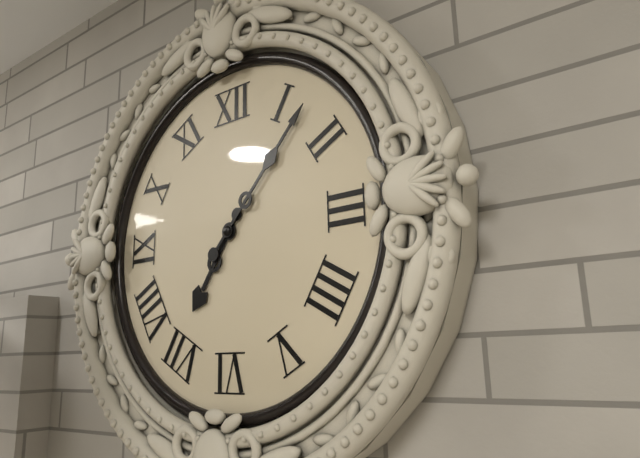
7:07
